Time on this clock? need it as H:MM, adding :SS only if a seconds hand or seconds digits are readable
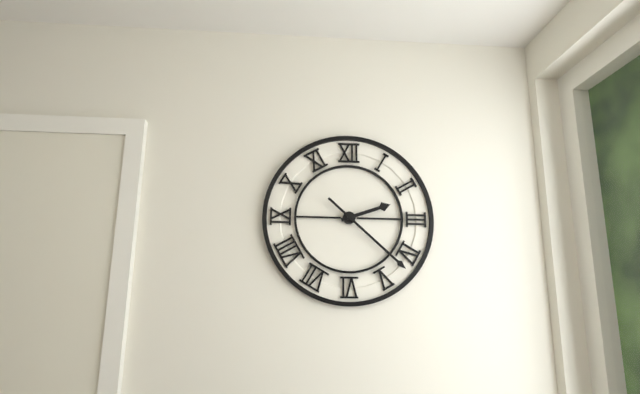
2:22
